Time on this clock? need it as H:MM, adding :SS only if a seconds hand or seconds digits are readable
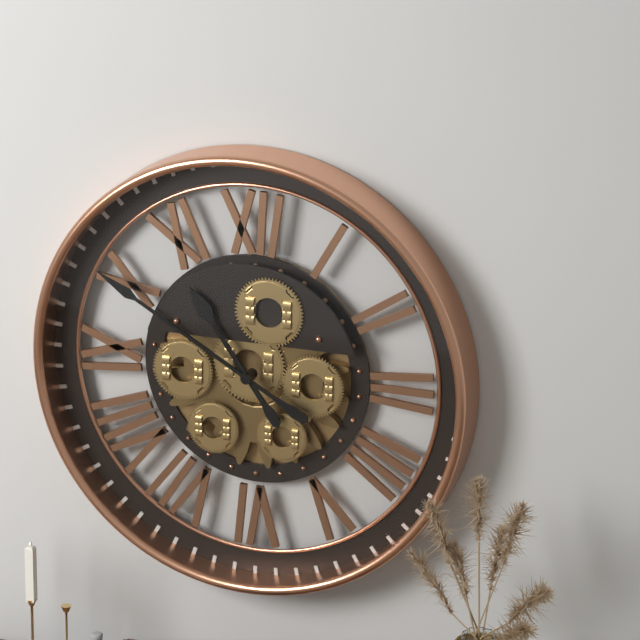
10:50
